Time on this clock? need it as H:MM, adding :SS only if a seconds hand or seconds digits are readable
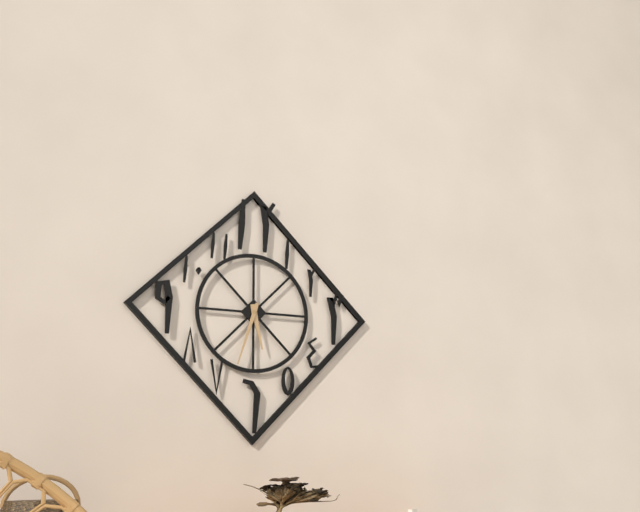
5:33
